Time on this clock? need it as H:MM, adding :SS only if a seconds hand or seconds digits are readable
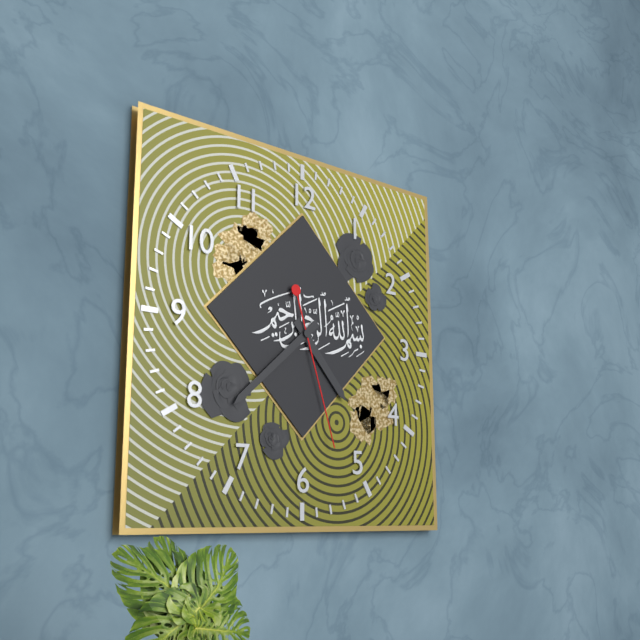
4:38:27
